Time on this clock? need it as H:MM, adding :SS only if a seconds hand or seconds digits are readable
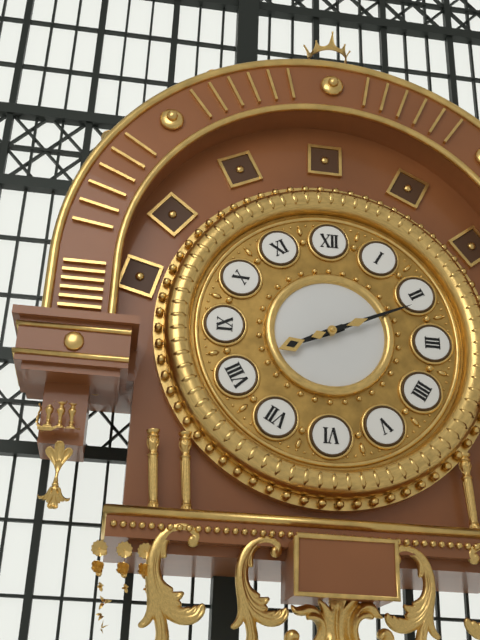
8:11
